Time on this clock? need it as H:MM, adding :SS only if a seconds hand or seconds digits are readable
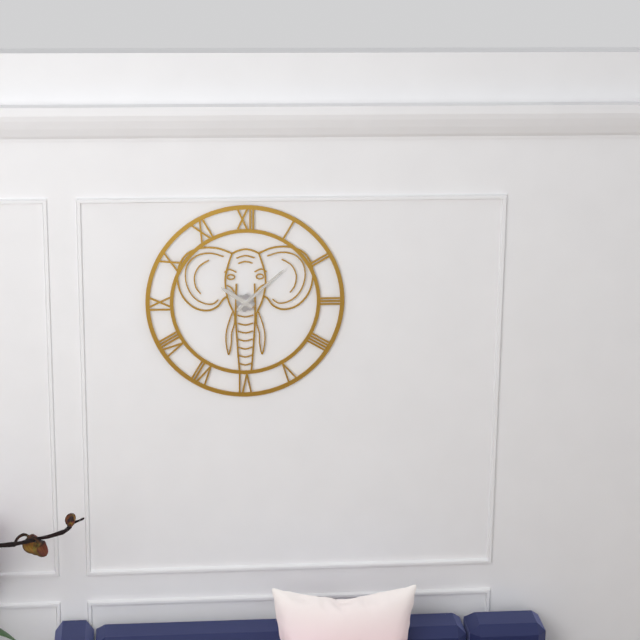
10:08
